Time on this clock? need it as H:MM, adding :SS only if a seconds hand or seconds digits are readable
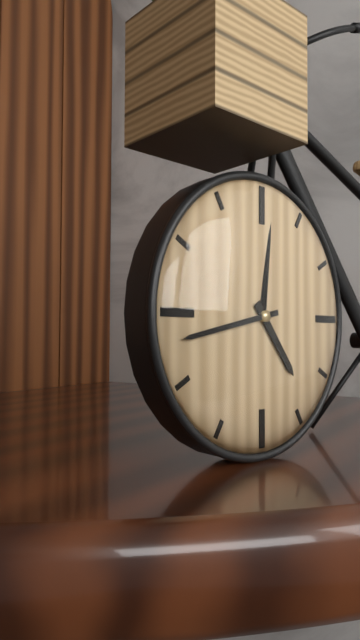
4:43
